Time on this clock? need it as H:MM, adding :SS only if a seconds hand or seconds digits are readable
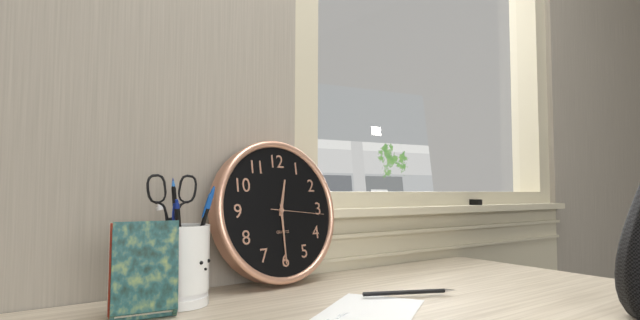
12:30:16
